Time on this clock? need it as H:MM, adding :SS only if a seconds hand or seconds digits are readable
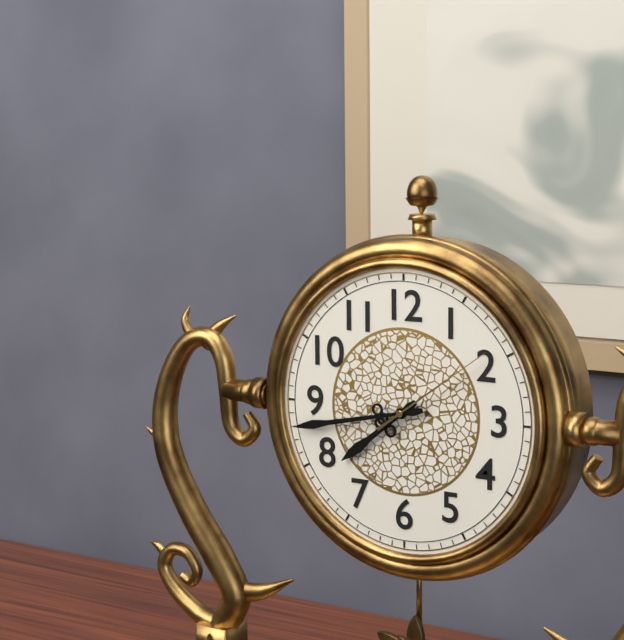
7:43:09
